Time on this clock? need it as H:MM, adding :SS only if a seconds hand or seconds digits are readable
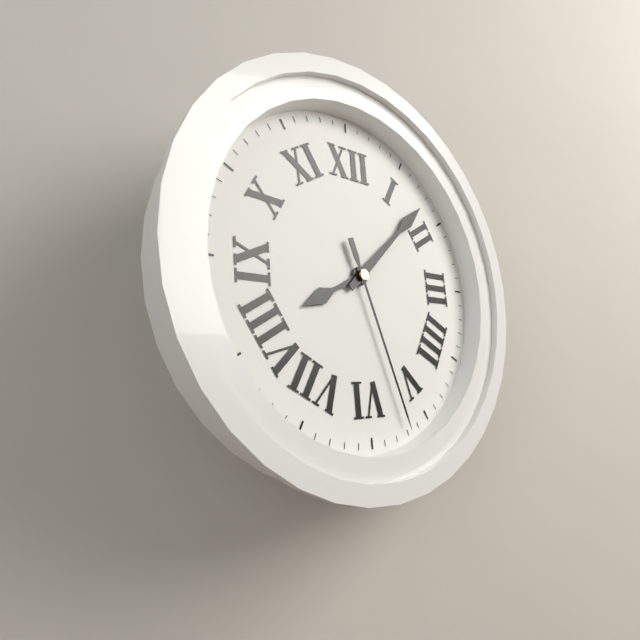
8:08:27
